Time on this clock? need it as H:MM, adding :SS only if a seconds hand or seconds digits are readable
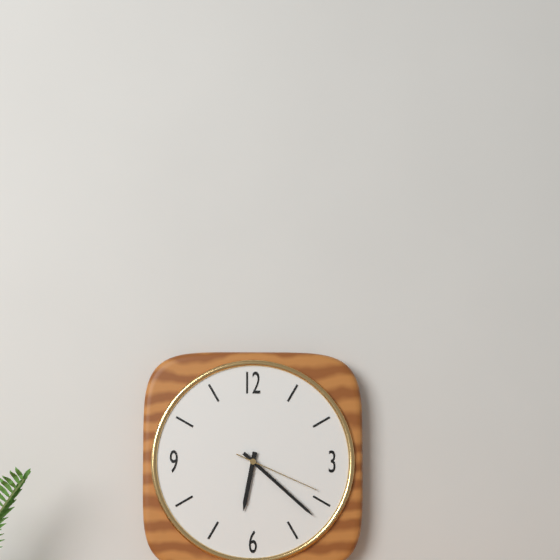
6:22:19
